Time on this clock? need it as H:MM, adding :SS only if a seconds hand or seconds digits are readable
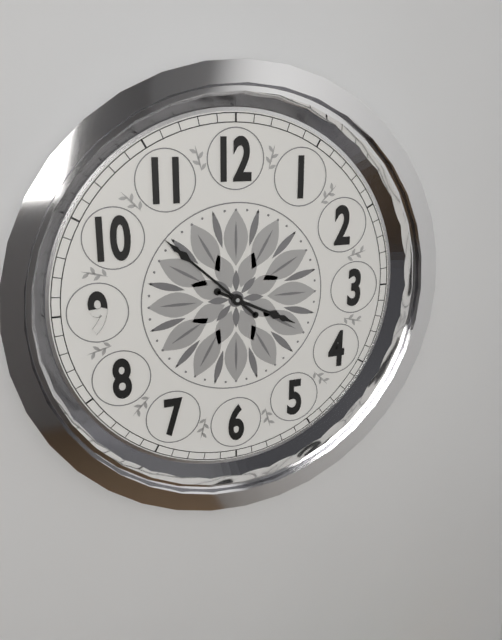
3:52
